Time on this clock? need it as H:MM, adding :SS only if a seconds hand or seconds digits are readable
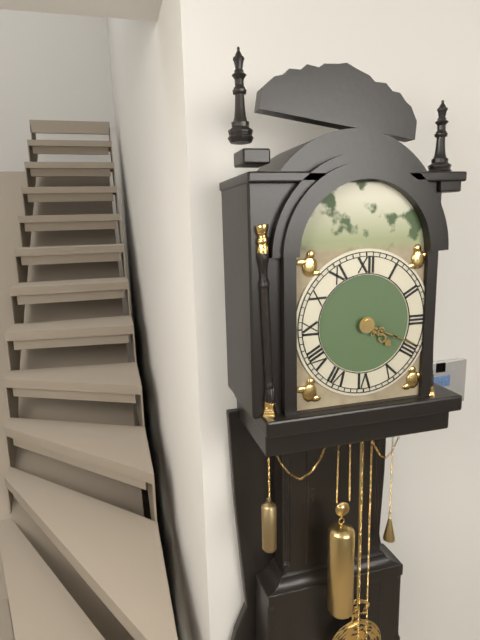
4:19
